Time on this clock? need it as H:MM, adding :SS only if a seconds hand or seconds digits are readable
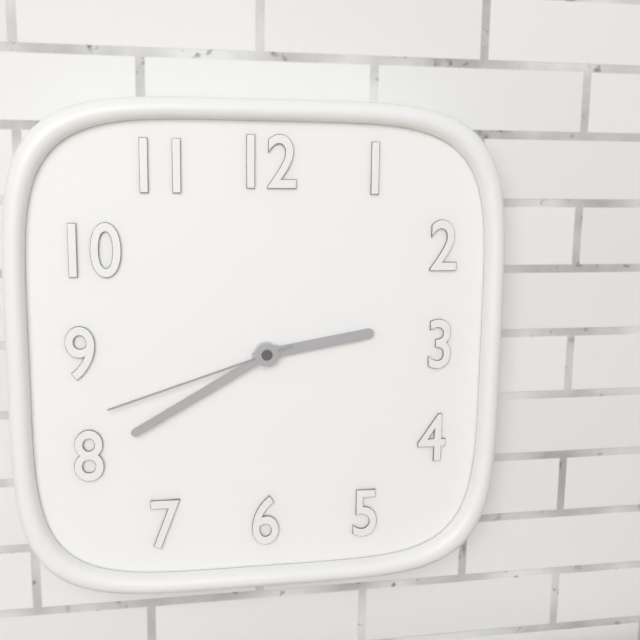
2:40:42
